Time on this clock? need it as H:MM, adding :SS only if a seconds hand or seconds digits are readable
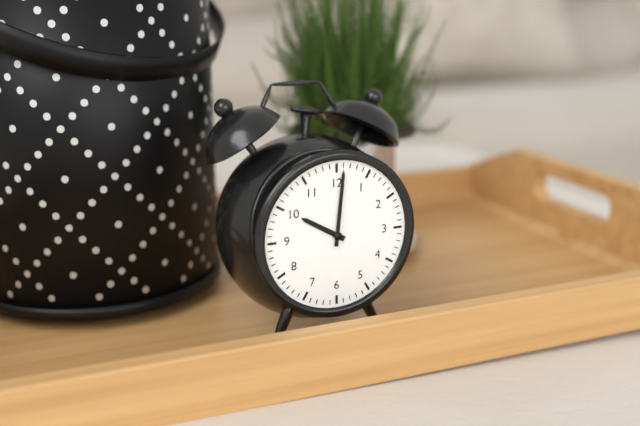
10:01
